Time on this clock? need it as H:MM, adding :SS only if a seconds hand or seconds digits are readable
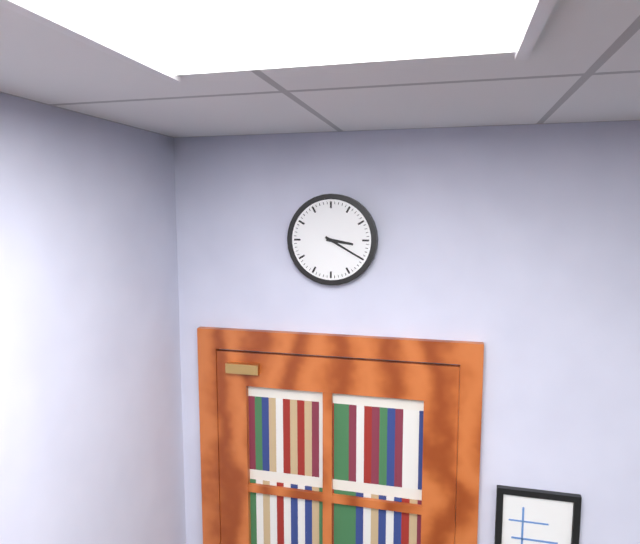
3:20
